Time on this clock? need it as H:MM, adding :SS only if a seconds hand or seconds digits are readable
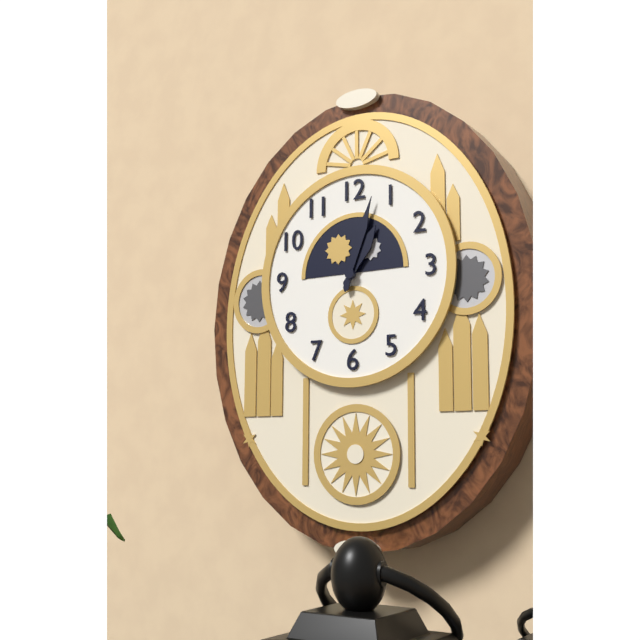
1:03
